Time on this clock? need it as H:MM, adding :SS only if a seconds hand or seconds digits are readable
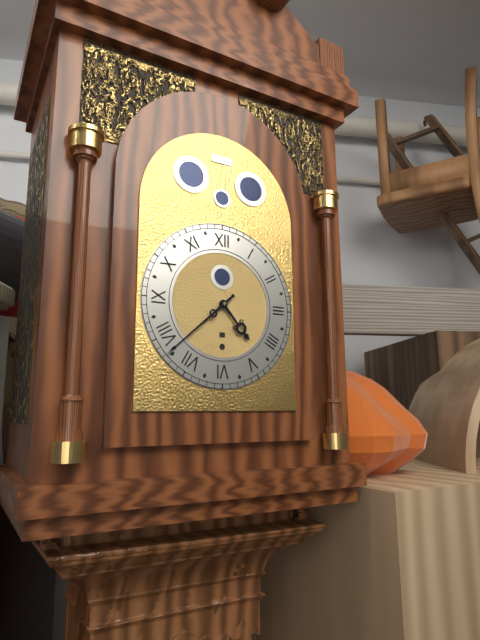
4:38
